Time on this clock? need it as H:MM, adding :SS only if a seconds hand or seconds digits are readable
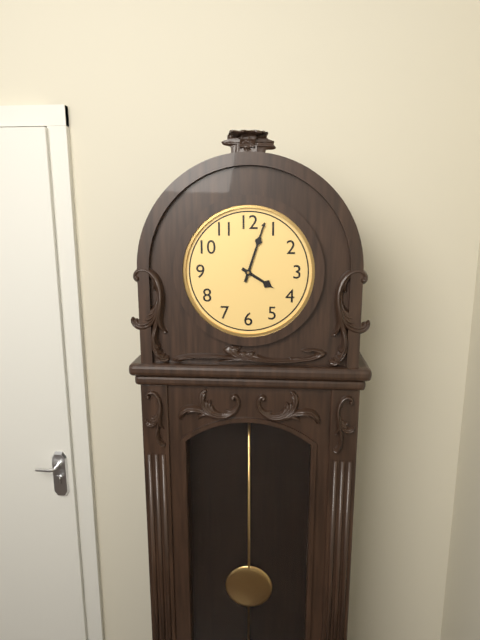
4:03
